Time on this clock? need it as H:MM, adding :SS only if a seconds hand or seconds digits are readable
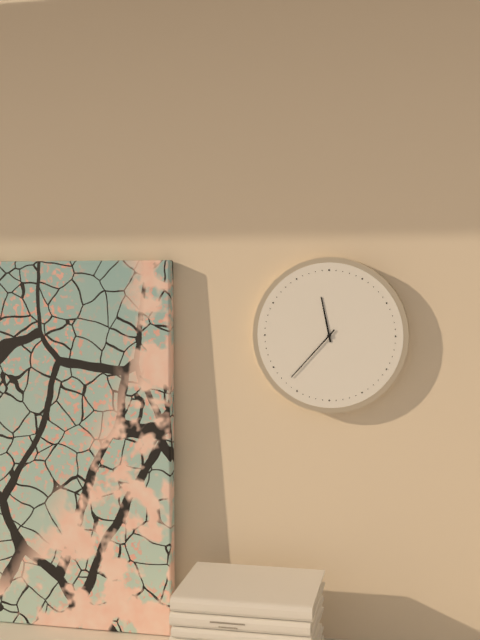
11:37
